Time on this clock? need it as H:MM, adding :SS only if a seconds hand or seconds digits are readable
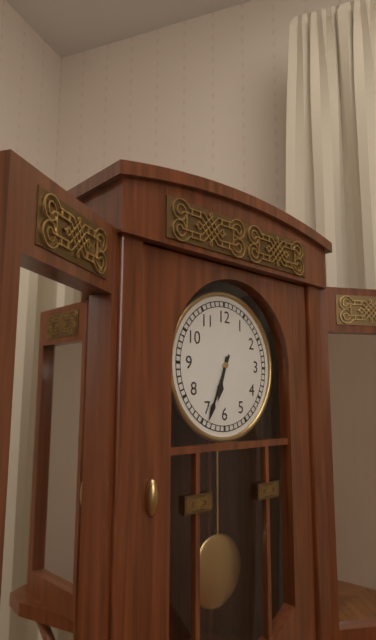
6:34
